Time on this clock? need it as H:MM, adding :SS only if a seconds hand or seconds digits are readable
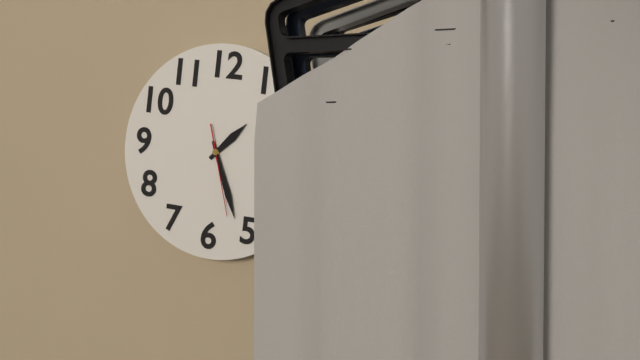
1:26:27
